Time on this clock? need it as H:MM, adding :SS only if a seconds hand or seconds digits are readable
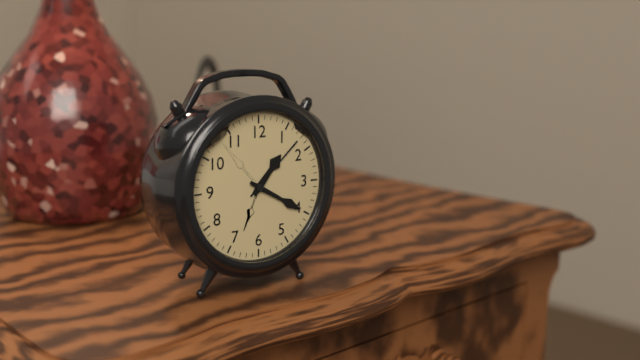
1:20
